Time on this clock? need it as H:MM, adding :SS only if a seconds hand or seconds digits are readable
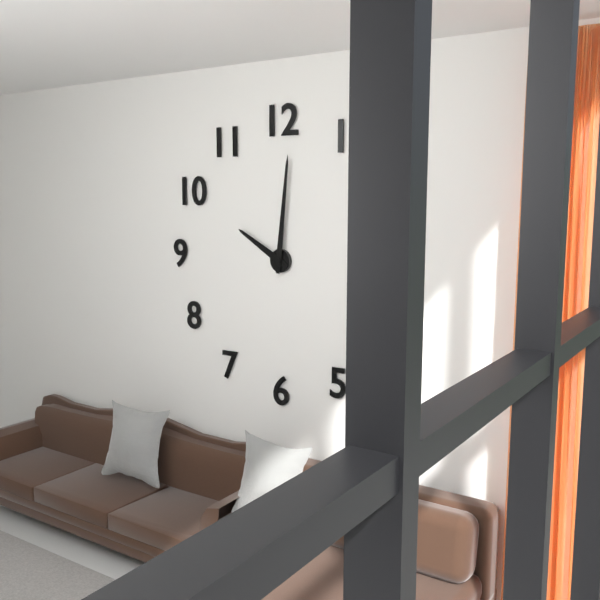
10:01
